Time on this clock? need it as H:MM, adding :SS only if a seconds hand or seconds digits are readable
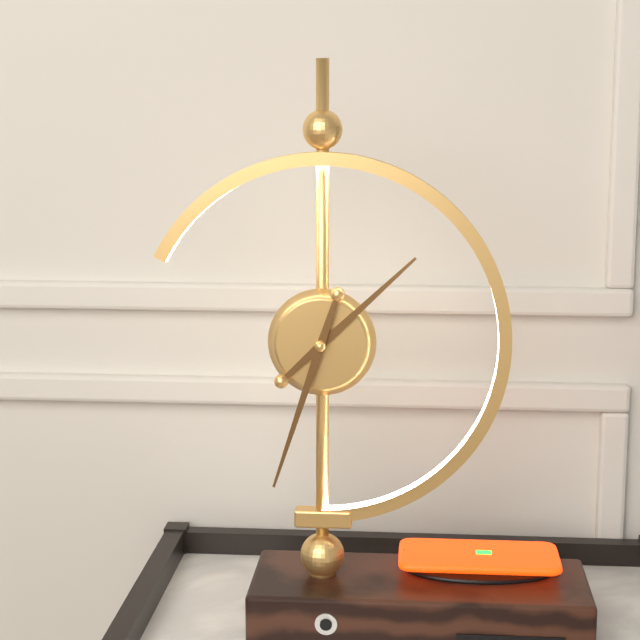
1:33
